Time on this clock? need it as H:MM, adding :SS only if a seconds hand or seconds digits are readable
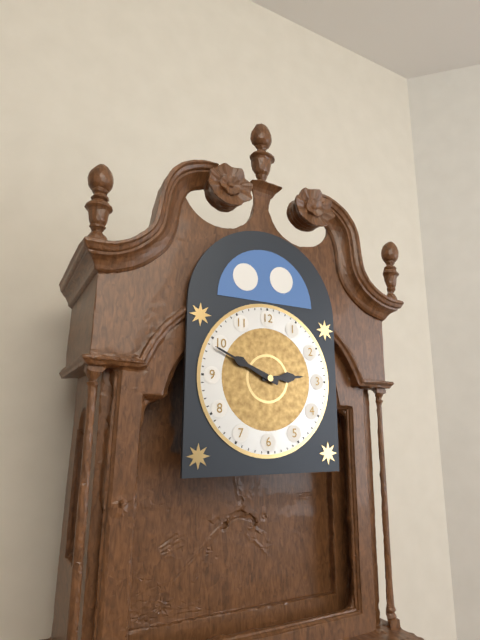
2:49
